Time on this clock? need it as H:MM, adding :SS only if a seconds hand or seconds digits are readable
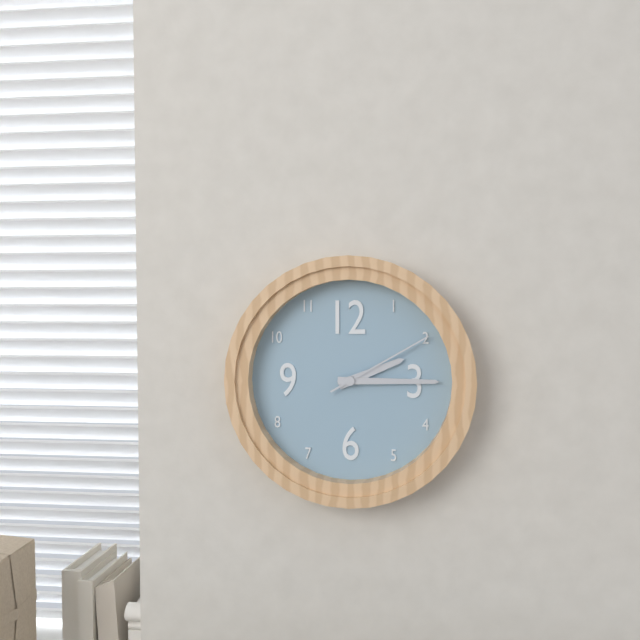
2:15:10
